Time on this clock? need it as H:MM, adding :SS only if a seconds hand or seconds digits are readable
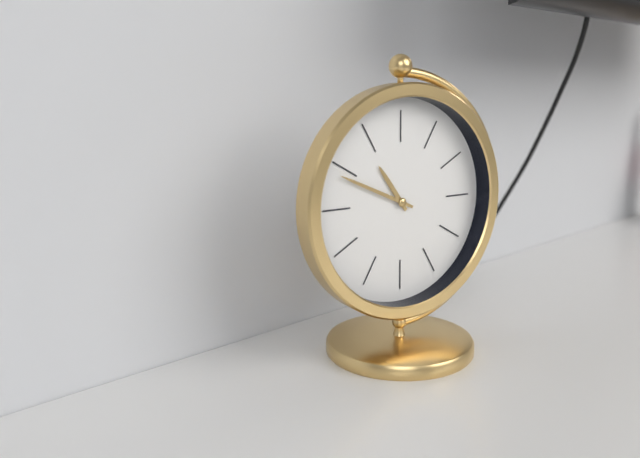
10:49
